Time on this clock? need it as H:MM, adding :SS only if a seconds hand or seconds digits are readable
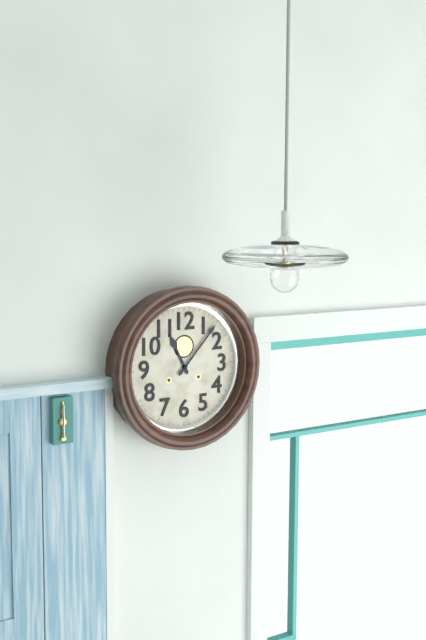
11:07
